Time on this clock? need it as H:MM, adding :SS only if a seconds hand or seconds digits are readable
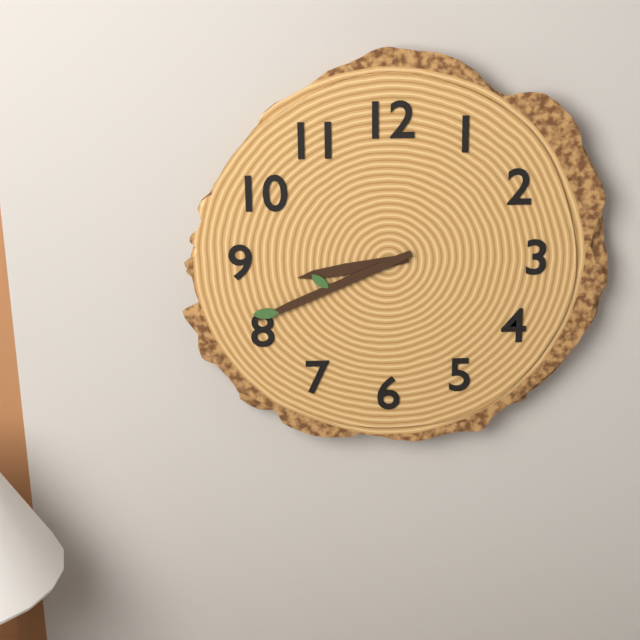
8:41
